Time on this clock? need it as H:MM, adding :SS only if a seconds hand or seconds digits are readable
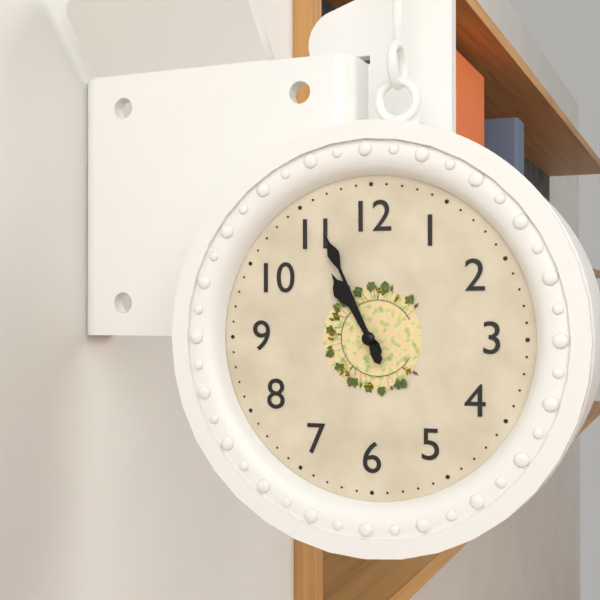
10:56
